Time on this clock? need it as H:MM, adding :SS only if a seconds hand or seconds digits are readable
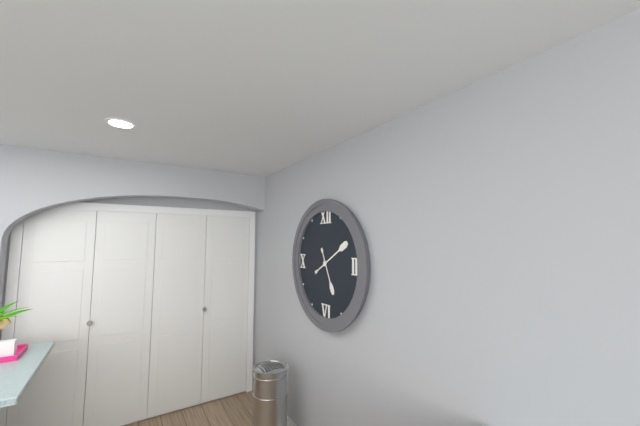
5:10
